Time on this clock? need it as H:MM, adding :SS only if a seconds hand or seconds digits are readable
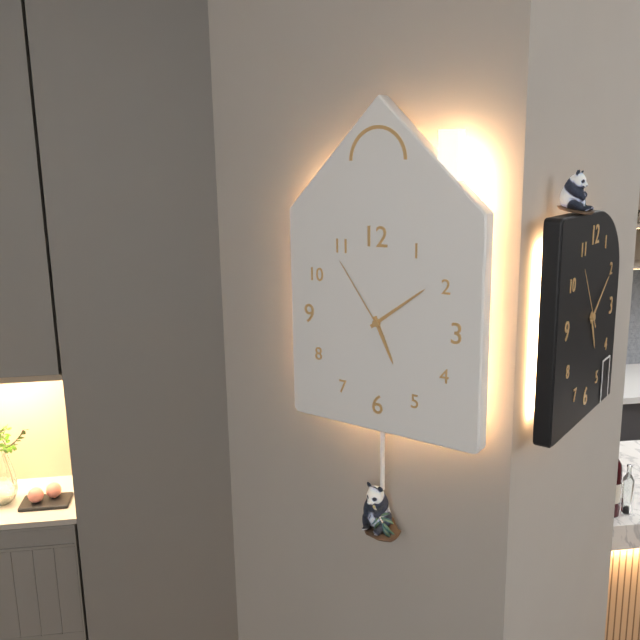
5:09:54
